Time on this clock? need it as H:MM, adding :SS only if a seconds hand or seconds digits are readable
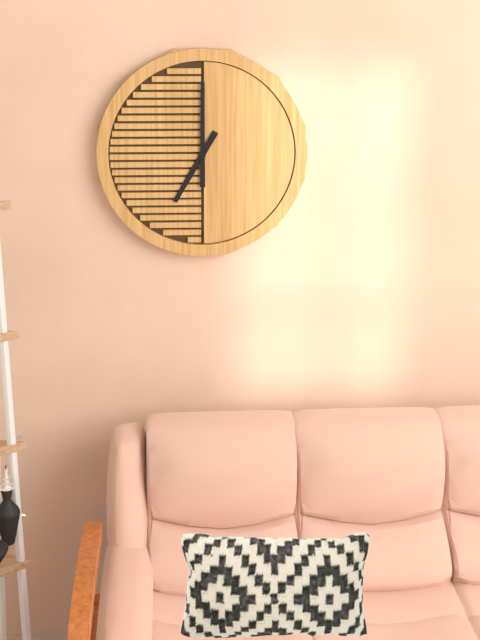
7:00
